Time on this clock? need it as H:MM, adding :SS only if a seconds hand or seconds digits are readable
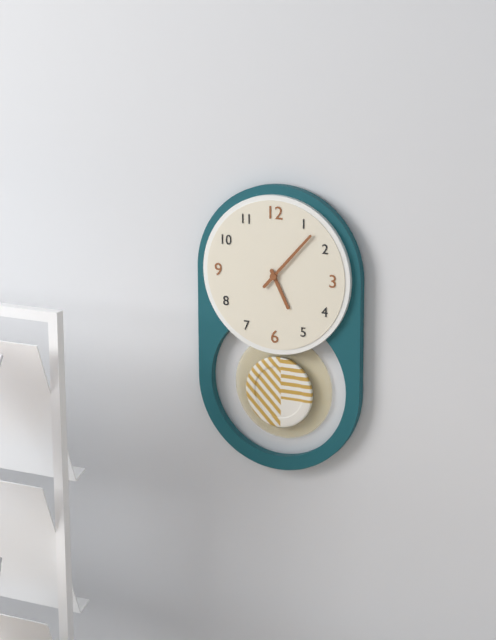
5:07
